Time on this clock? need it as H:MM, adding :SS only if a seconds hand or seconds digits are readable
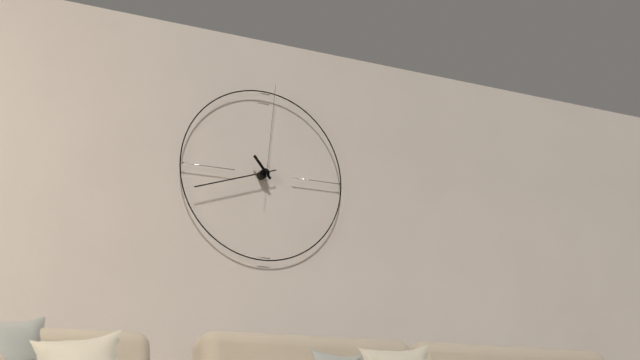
10:42:01
